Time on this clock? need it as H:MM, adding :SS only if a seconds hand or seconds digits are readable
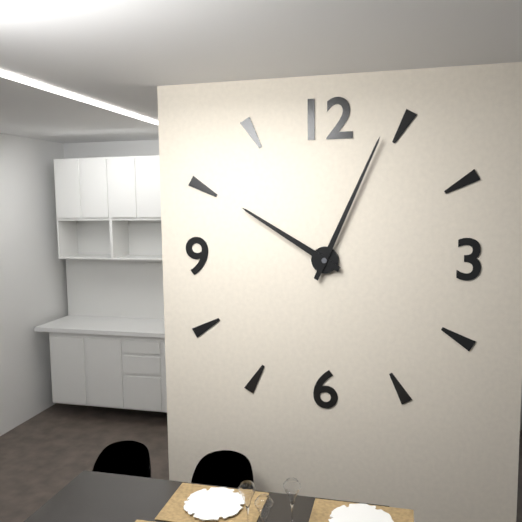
10:04
